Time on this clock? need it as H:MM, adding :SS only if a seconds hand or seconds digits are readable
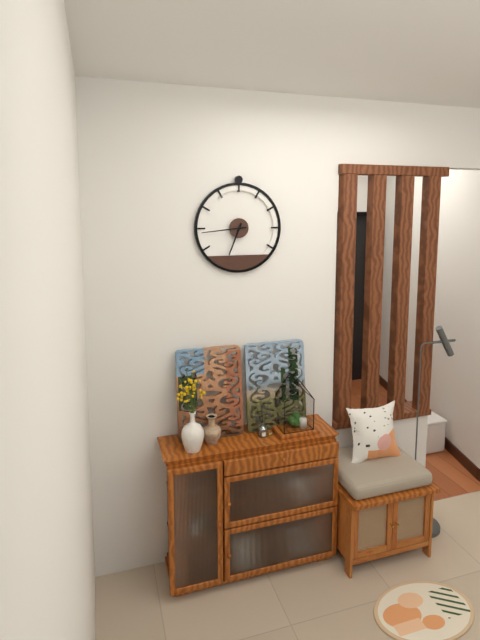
6:44
